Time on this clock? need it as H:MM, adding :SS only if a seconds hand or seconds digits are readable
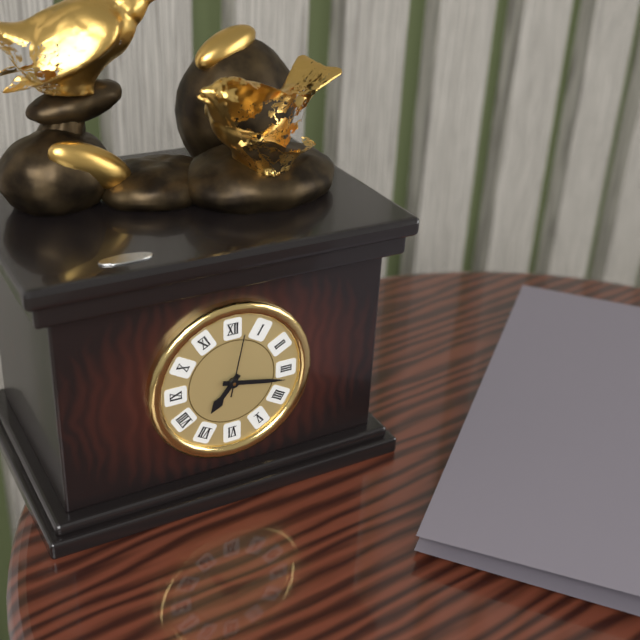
7:17:02
